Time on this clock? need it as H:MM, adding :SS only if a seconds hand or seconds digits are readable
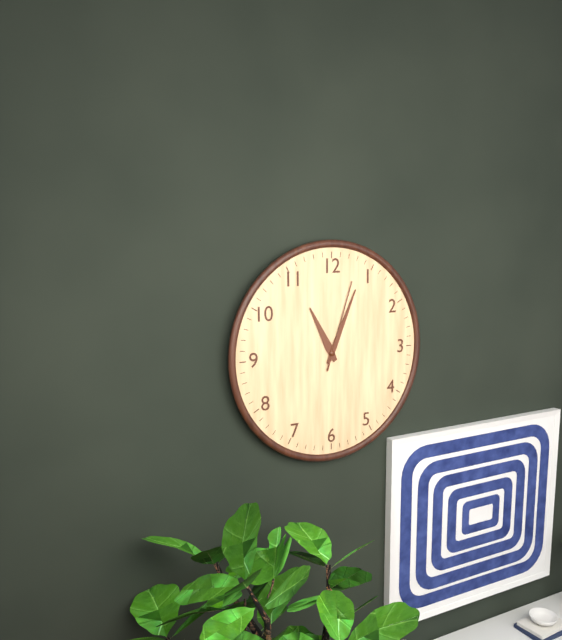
11:04:03
